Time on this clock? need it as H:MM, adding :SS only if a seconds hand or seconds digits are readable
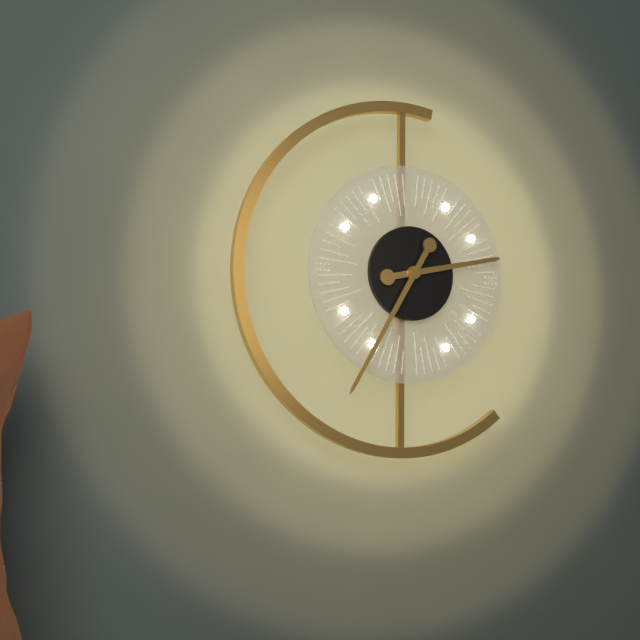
2:35
